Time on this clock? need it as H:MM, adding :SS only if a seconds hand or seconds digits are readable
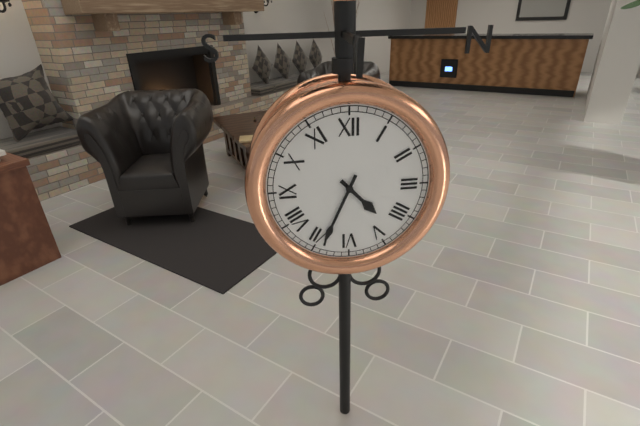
4:34
